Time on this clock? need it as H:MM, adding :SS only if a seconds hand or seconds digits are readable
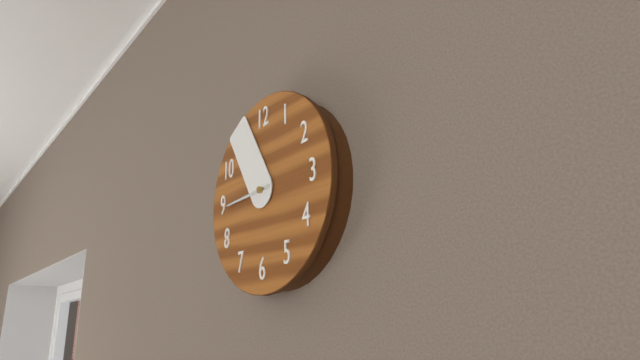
8:55
